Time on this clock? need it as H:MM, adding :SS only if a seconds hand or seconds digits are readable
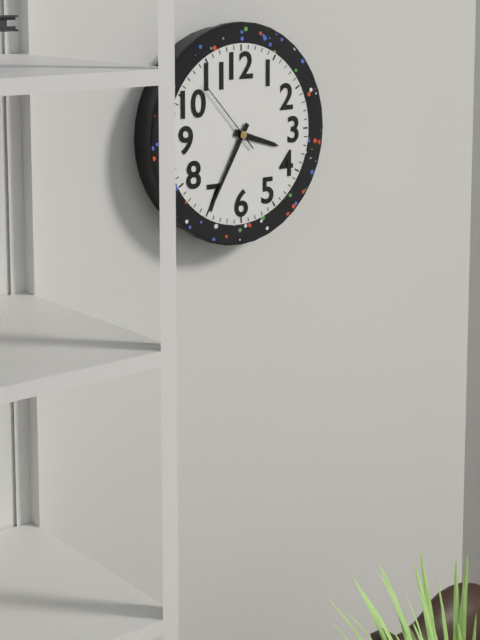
3:35:53
